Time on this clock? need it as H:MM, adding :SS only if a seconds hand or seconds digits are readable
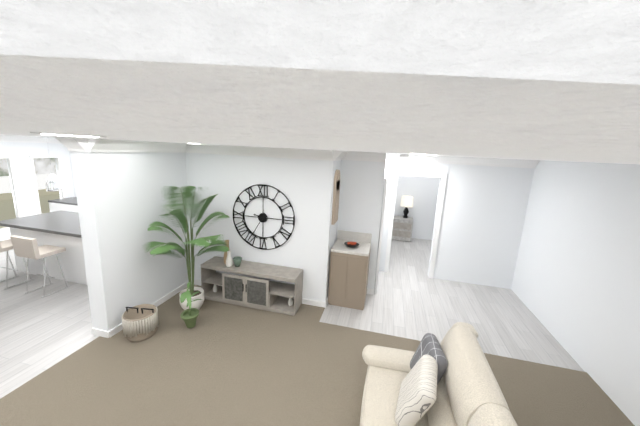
9:35
